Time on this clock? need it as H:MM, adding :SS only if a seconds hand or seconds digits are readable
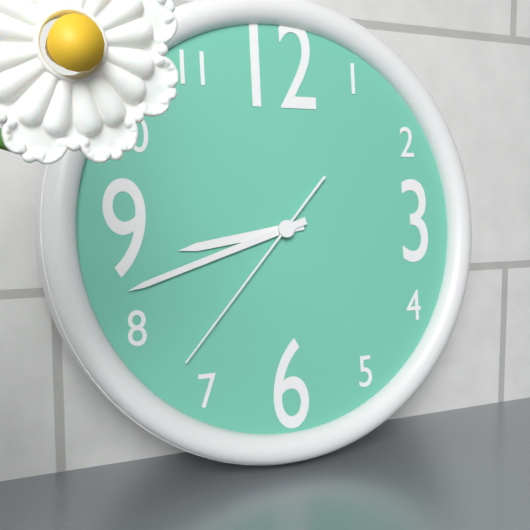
8:42:37
